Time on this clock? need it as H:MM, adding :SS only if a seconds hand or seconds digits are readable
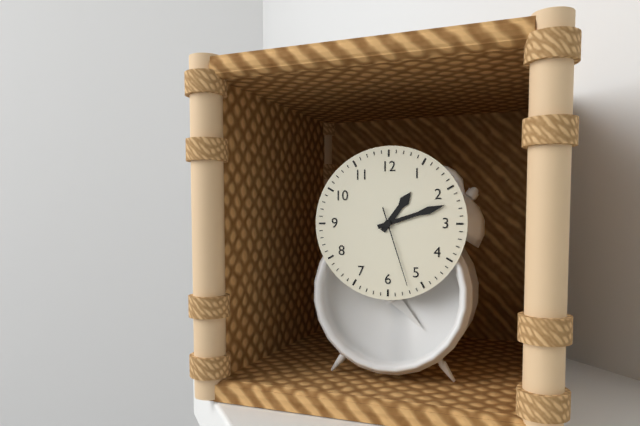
1:12:27
